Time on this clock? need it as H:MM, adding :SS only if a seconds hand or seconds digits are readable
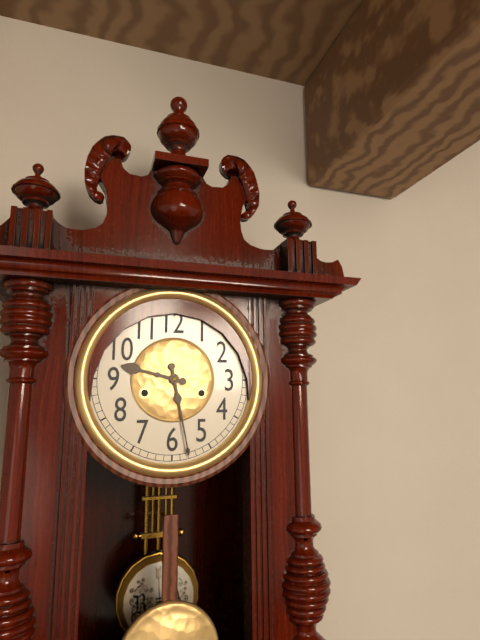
9:28
